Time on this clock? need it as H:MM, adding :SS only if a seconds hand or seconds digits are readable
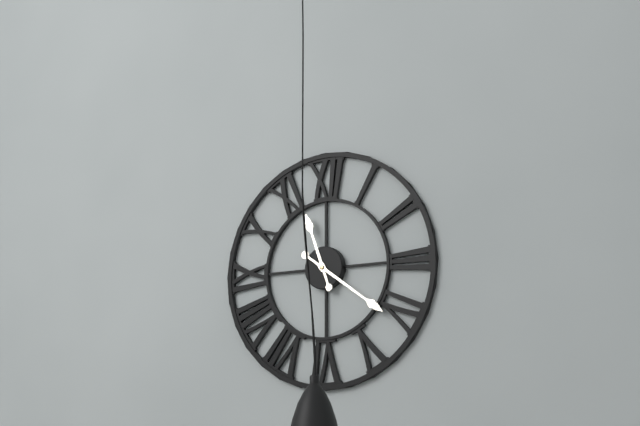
11:21
